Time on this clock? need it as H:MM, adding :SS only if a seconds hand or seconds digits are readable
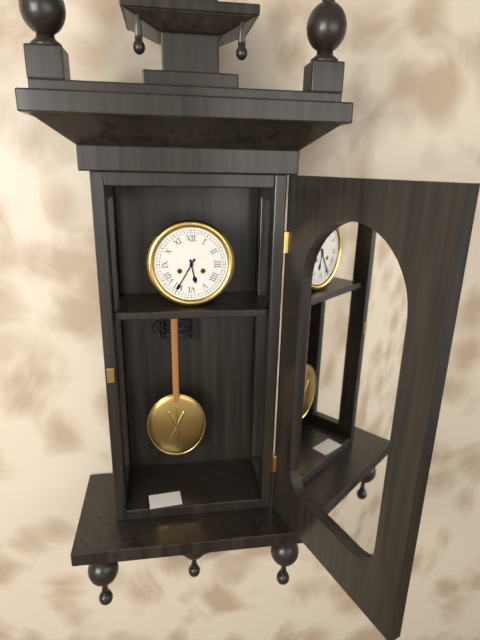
5:35
